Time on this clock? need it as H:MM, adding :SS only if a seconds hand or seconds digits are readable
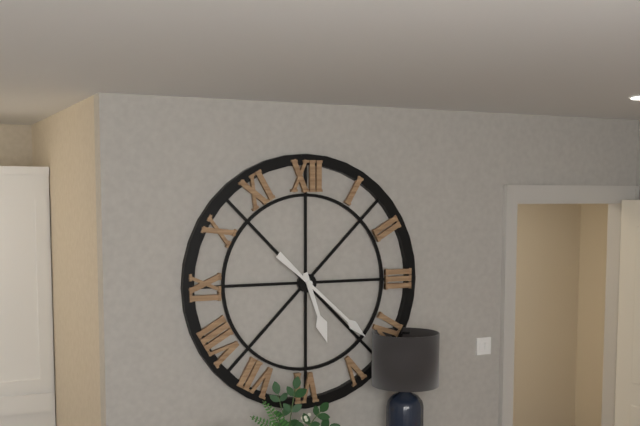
5:22
